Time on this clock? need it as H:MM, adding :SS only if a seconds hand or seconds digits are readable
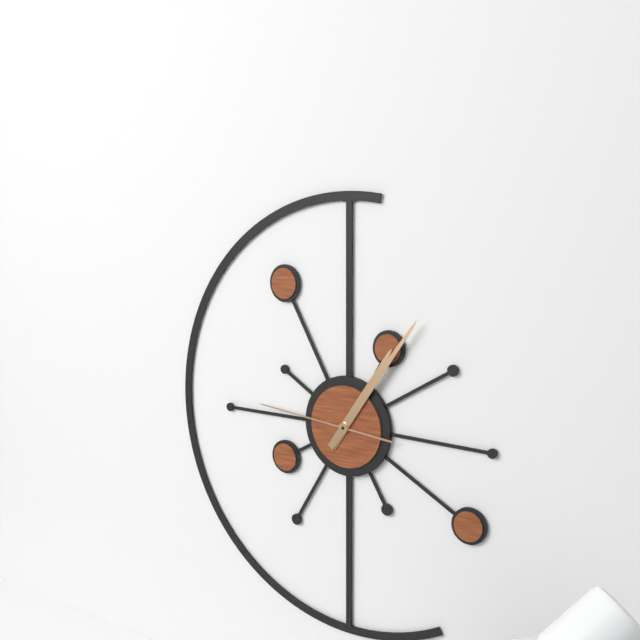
1:06:46
